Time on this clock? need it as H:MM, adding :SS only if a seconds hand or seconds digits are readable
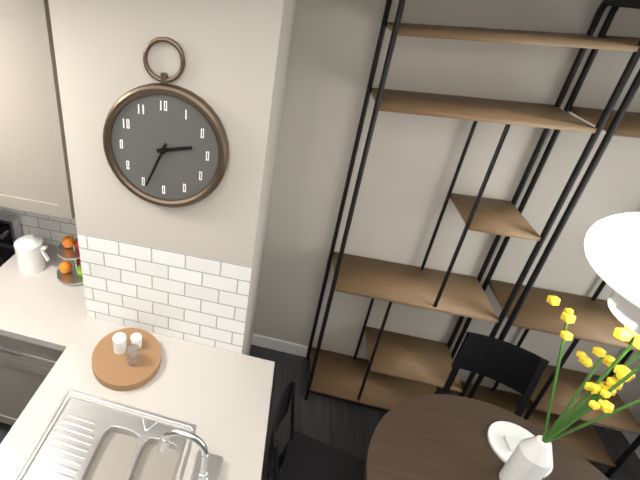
2:34
